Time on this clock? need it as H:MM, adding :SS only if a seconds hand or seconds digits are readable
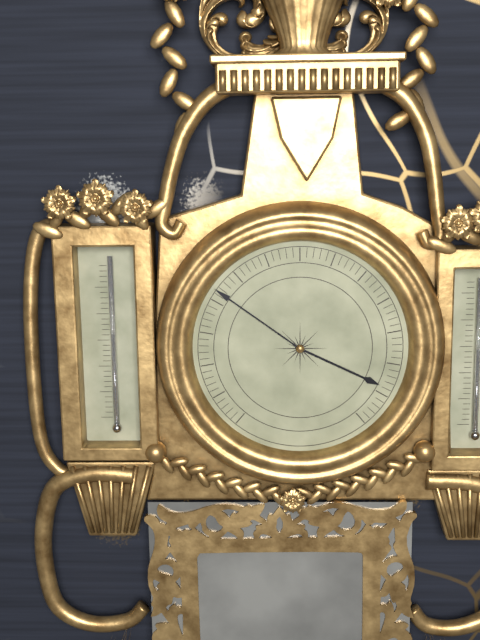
3:51
